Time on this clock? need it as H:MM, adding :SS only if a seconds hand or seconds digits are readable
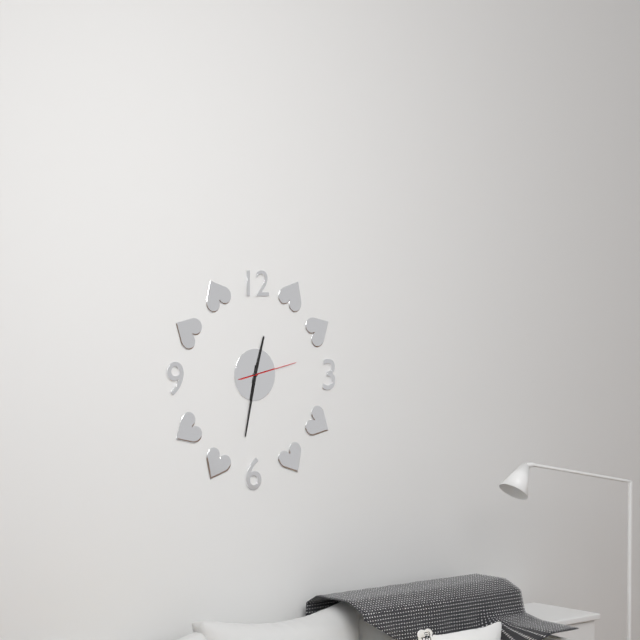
12:32:13
